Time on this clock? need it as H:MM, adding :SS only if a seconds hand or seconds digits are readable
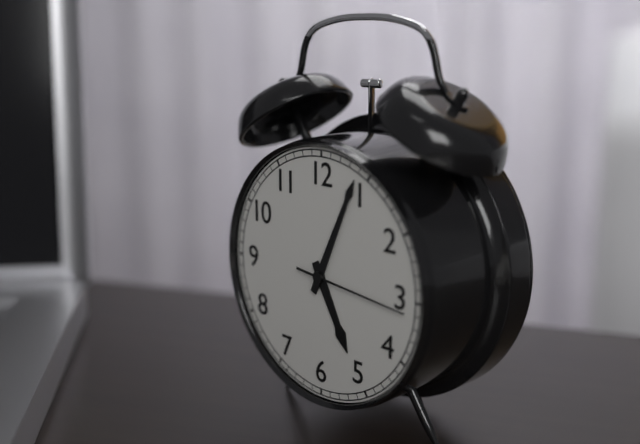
5:04:16
